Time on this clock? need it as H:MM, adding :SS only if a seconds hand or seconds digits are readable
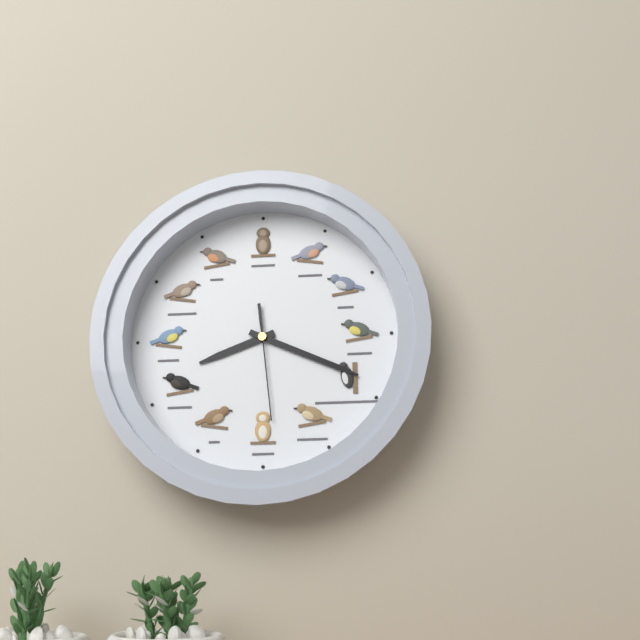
8:19:29
